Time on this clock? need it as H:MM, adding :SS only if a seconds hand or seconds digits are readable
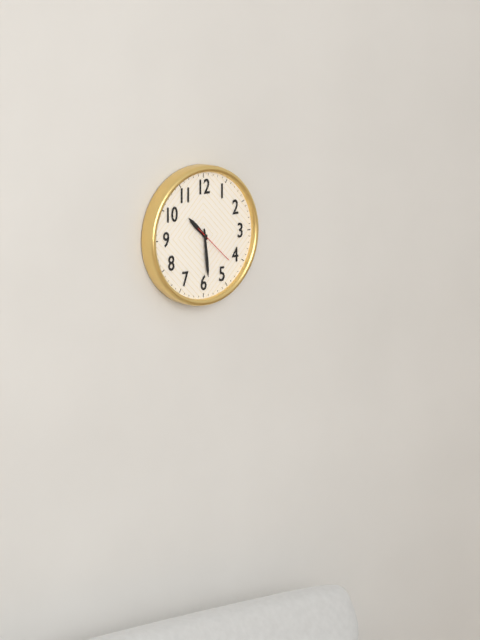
10:29
